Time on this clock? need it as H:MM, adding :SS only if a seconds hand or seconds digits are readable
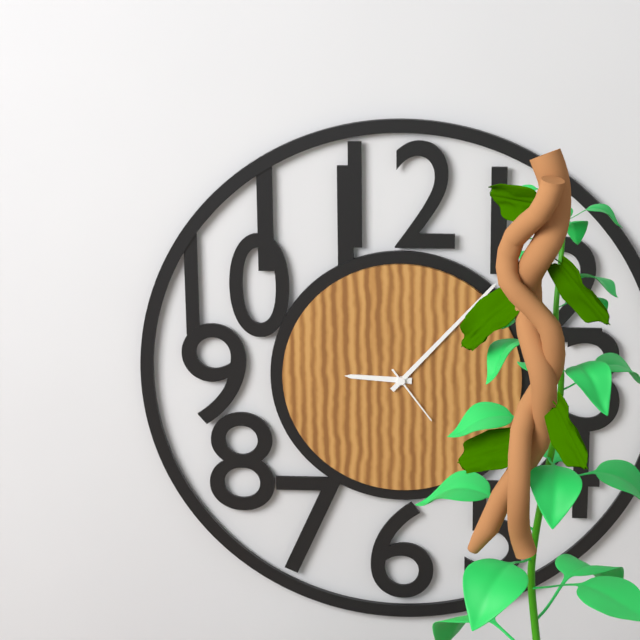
9:07:24
